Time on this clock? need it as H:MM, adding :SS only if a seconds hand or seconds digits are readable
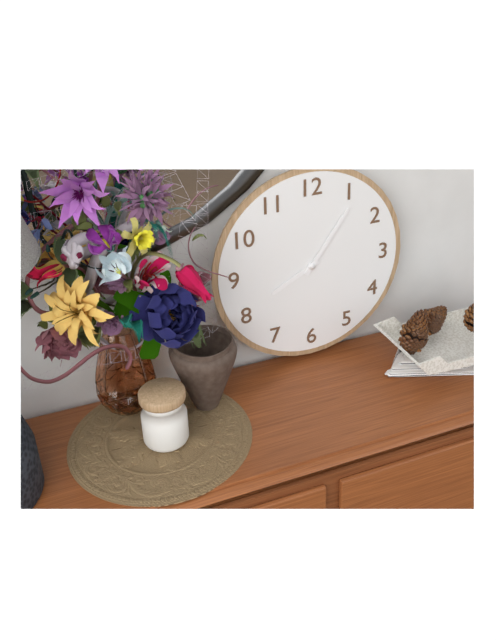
8:06
